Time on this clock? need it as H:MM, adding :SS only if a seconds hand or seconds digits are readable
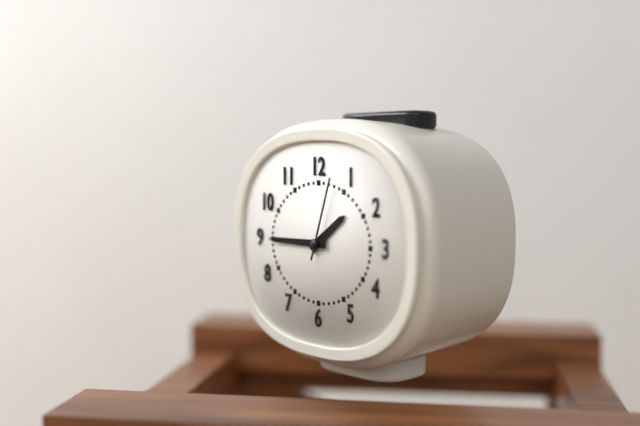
1:45:03
